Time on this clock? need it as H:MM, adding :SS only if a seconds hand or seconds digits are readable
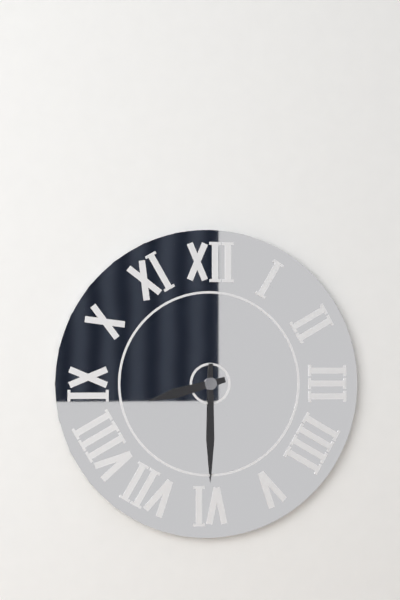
8:30
